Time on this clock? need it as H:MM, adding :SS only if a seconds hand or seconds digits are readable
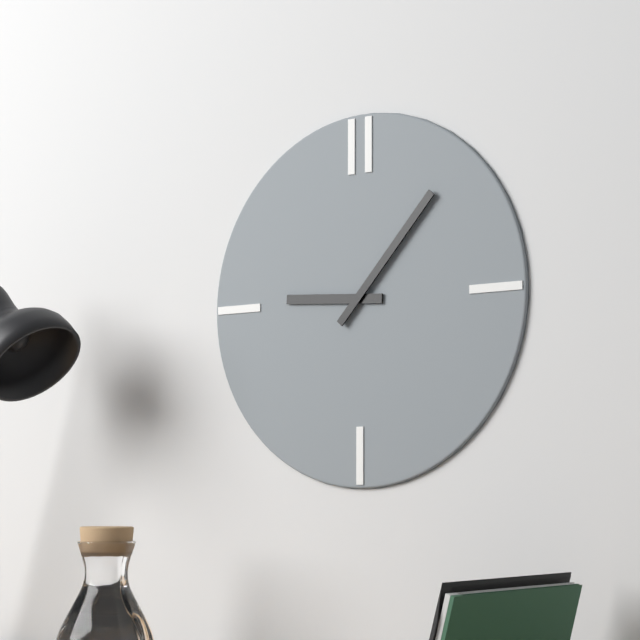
9:07
